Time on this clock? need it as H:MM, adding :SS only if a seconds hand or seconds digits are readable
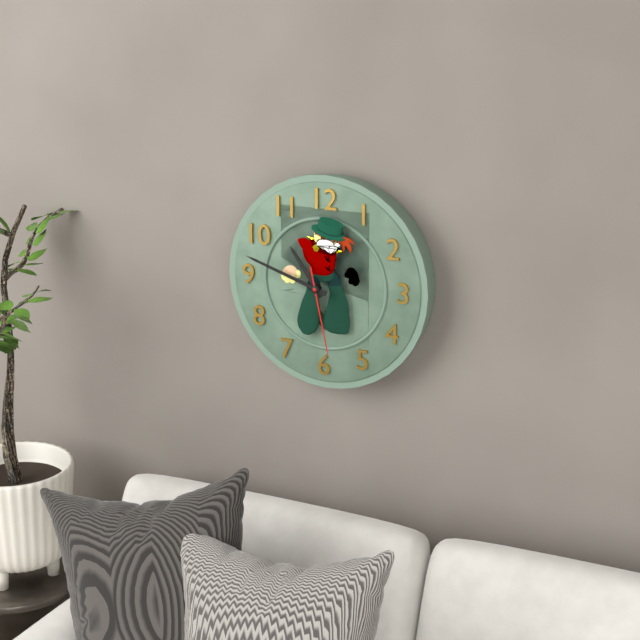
10:48:28
